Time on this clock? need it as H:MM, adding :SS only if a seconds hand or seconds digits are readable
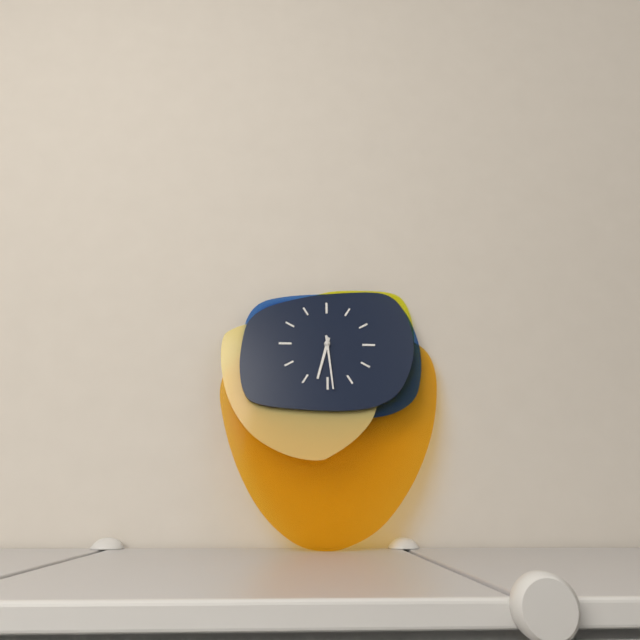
6:29
